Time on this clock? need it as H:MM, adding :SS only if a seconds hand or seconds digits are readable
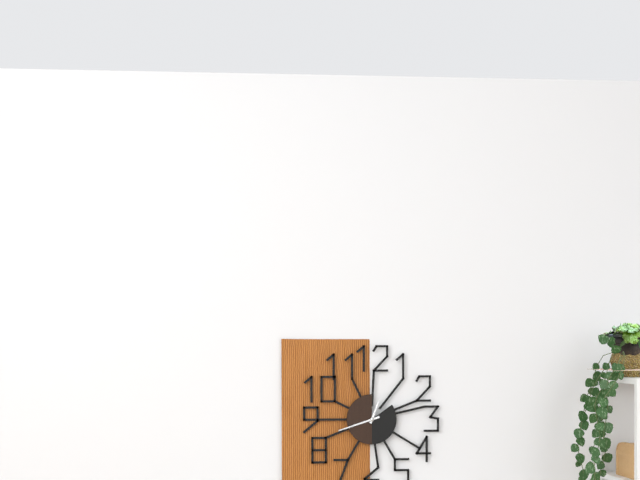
12:42
